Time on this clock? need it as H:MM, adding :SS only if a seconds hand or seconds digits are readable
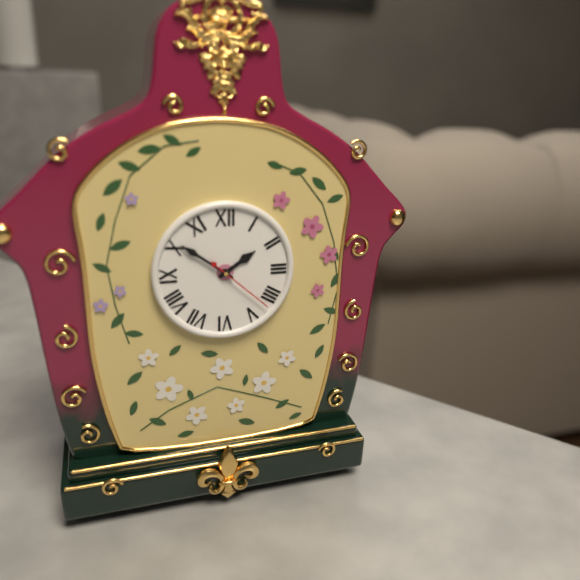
1:51:22
